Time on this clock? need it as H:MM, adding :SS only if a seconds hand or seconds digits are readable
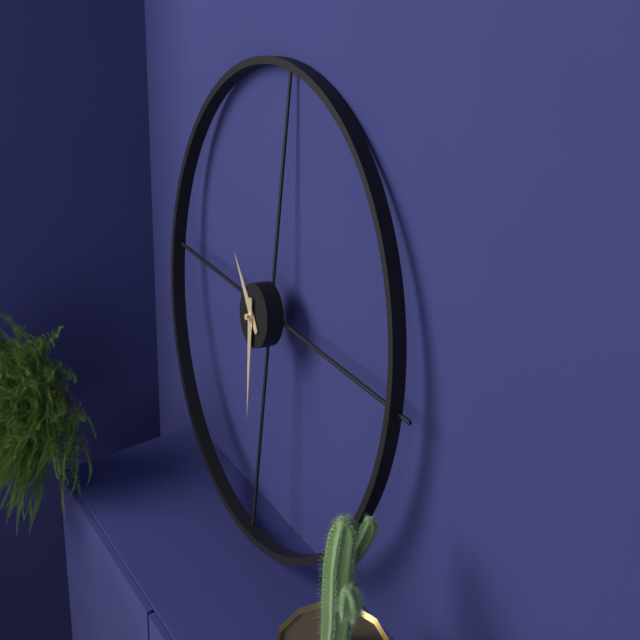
10:29
